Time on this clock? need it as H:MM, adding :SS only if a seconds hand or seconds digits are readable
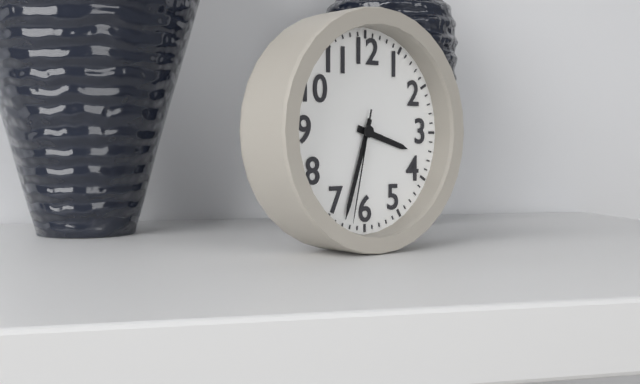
3:33:32
